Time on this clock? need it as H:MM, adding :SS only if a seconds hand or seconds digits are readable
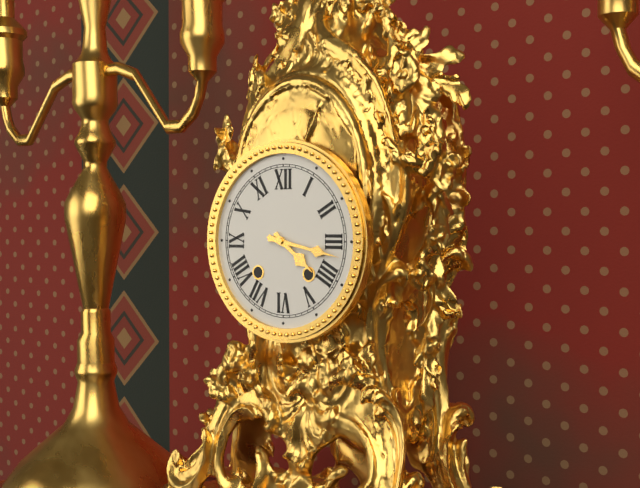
4:17
